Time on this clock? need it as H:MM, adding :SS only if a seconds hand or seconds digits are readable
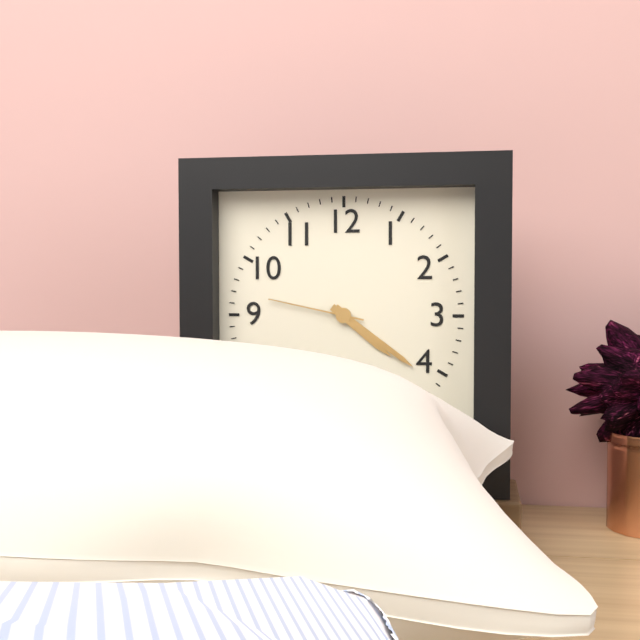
4:21:47
